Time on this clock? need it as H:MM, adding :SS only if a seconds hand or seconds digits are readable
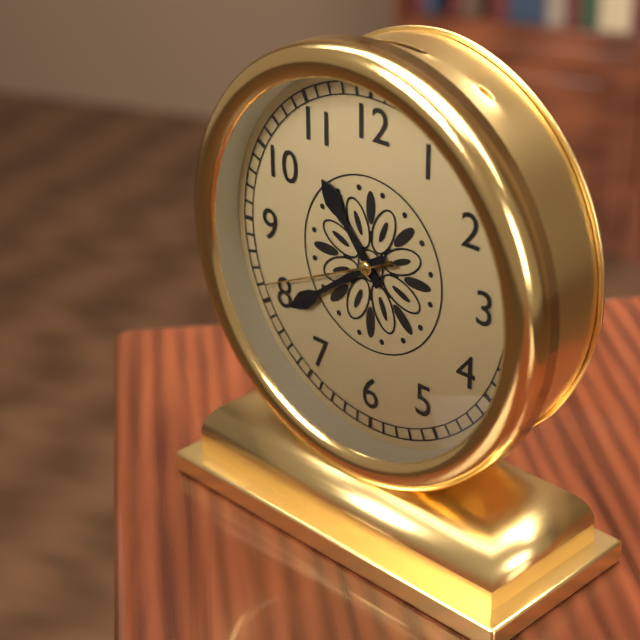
10:39:41
